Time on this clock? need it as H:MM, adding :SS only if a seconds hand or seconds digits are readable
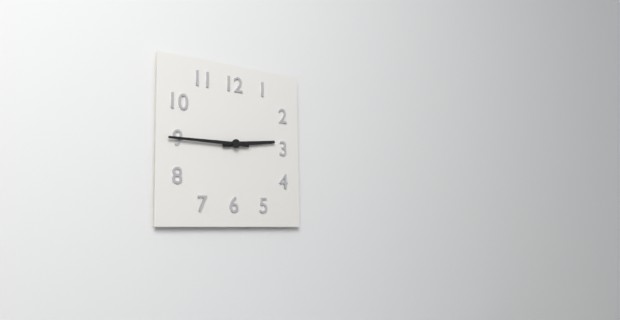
2:45
